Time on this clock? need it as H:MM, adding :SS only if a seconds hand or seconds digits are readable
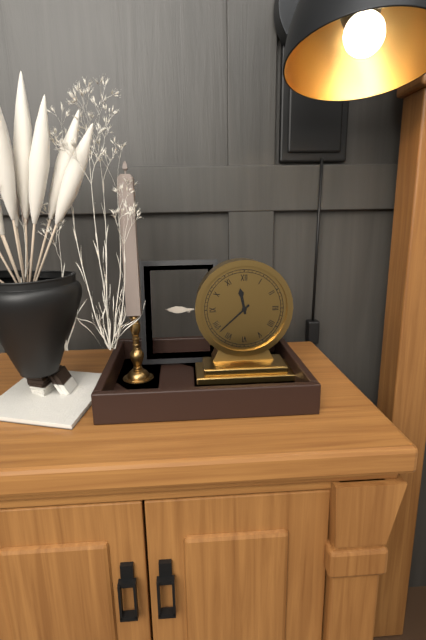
11:38
